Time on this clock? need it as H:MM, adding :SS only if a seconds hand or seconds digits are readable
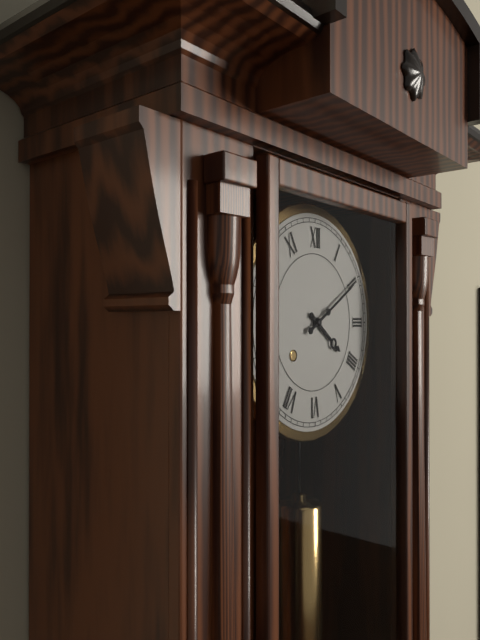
4:10
